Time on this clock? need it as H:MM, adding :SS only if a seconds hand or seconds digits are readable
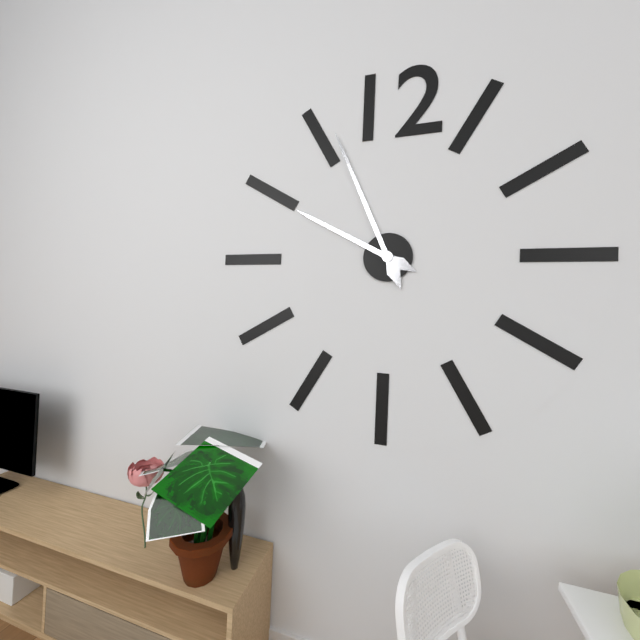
9:56
